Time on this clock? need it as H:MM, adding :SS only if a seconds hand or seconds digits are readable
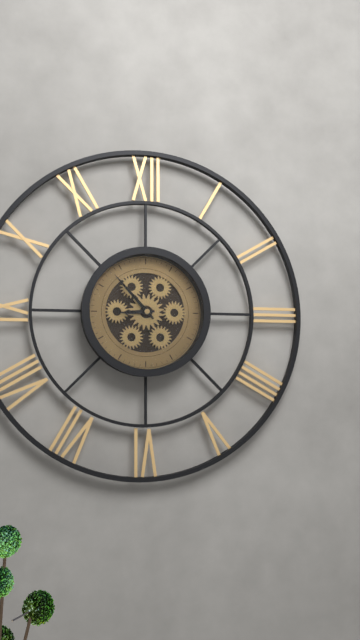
8:53
